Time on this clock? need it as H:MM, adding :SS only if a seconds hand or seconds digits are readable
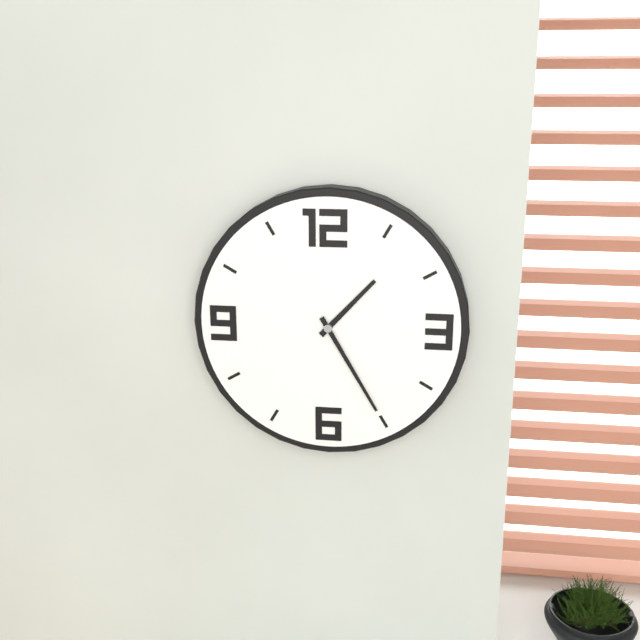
1:25
